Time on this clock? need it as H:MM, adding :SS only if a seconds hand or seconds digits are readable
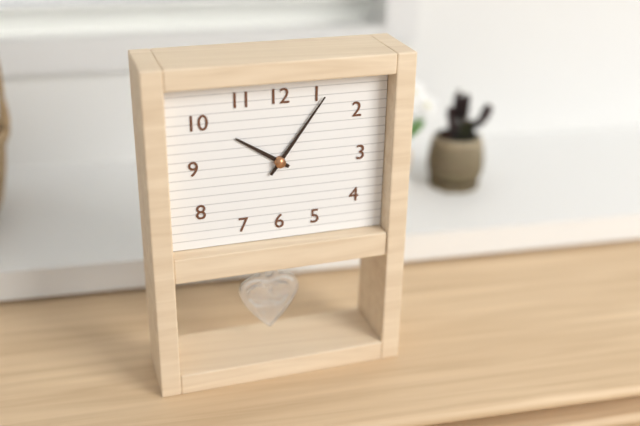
10:06
